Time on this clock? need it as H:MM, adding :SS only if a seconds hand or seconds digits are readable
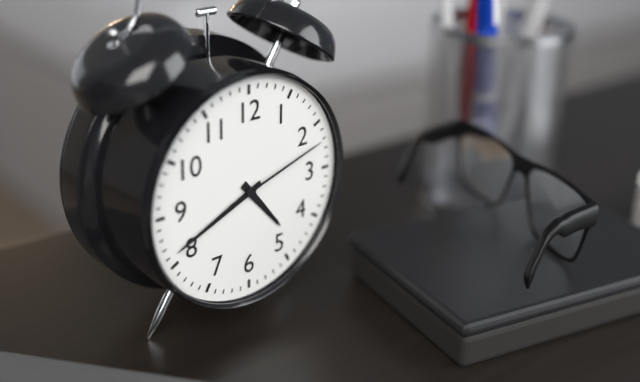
4:41:12
